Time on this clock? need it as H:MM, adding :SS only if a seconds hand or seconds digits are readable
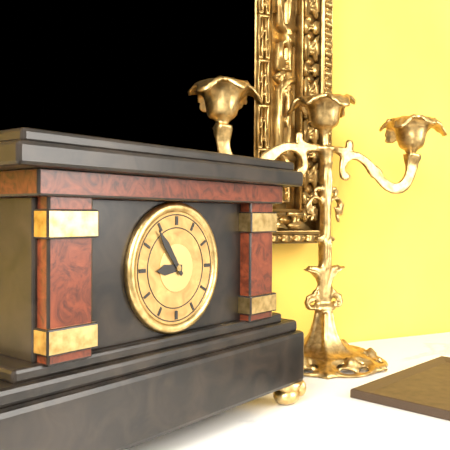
8:54
